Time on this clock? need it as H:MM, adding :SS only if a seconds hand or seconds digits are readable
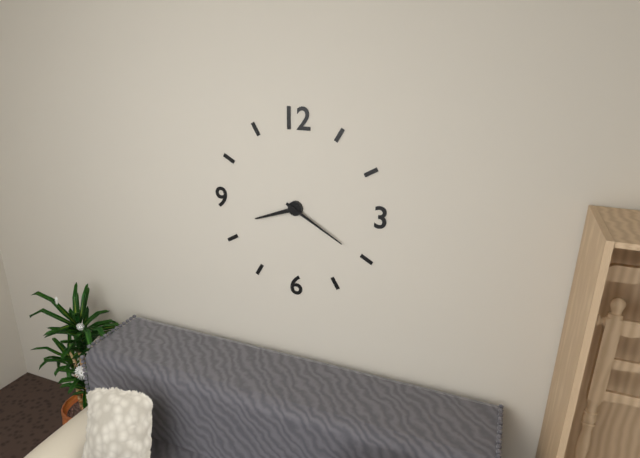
8:20
